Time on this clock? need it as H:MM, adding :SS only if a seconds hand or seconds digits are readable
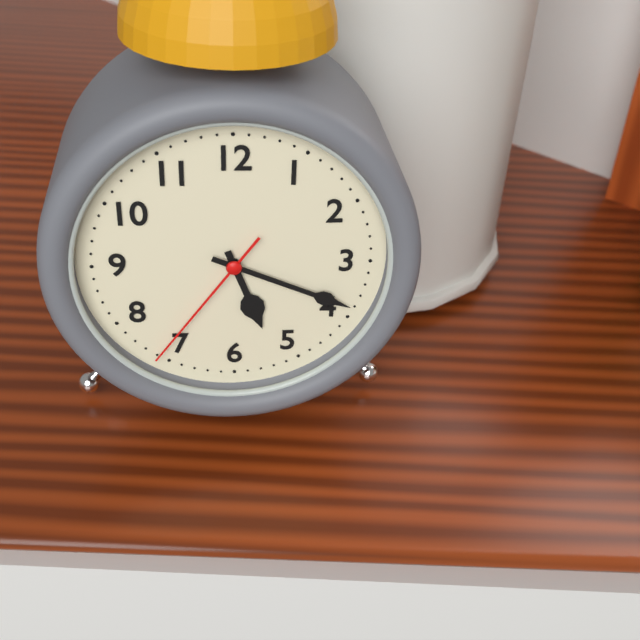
5:19:36
